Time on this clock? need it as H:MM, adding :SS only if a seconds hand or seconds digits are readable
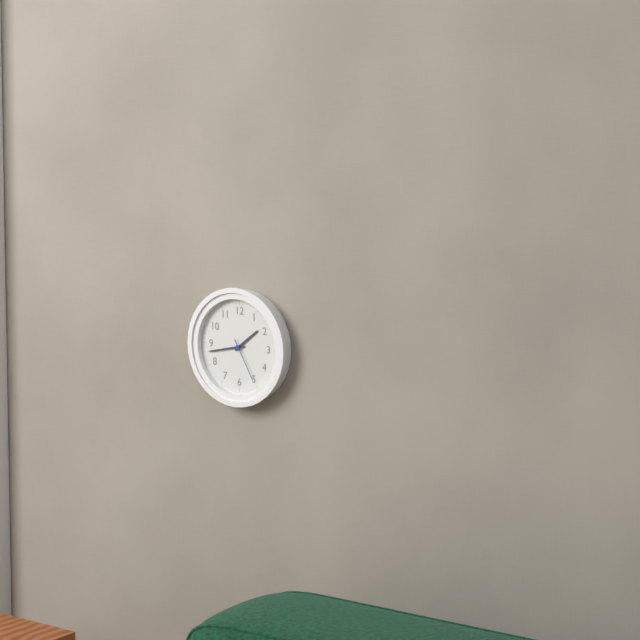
1:43
